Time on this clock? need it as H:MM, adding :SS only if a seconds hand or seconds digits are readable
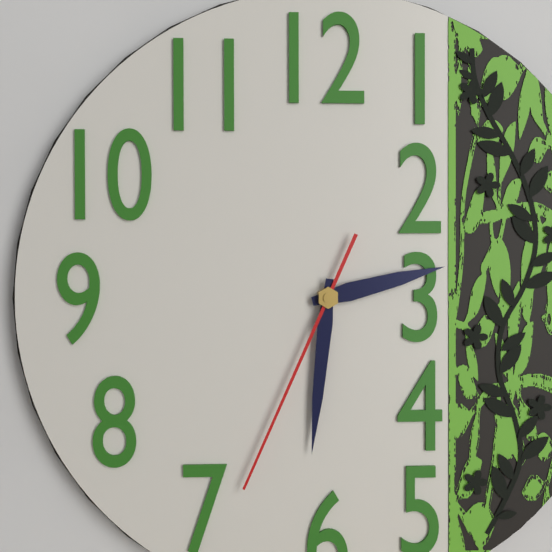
2:31:34
